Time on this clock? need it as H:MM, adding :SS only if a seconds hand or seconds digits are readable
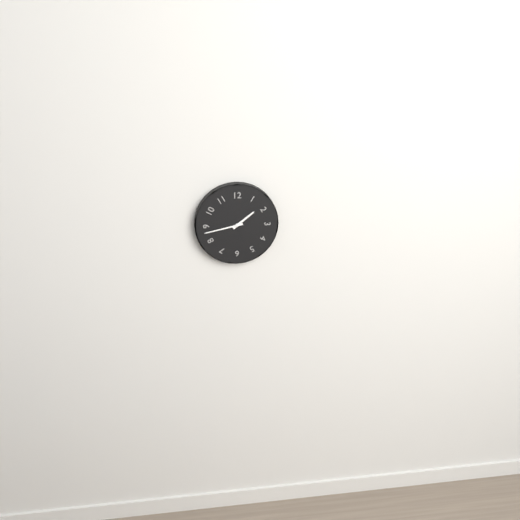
1:43
